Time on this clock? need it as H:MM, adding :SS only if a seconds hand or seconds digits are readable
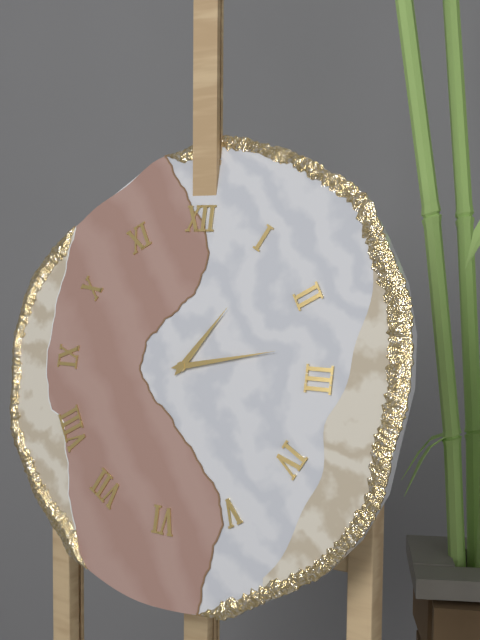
1:13
